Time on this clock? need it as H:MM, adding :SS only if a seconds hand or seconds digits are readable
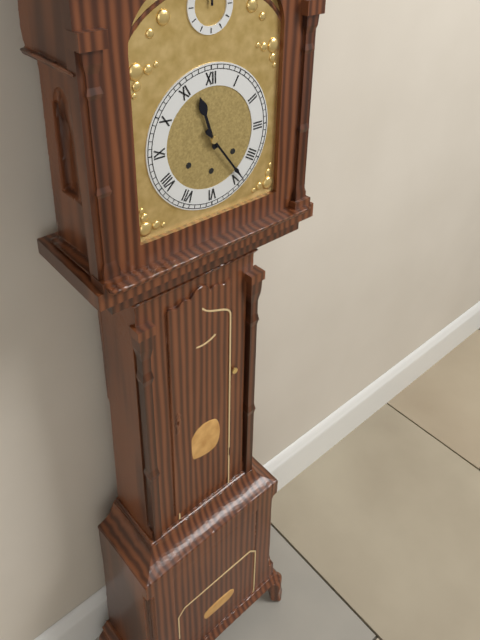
11:24
